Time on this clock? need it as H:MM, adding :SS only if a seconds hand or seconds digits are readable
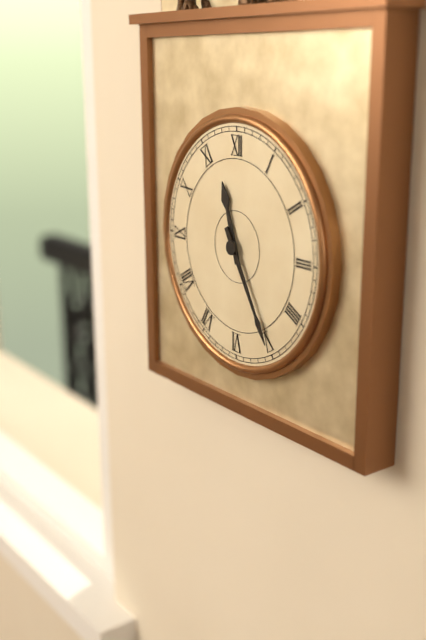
11:25
